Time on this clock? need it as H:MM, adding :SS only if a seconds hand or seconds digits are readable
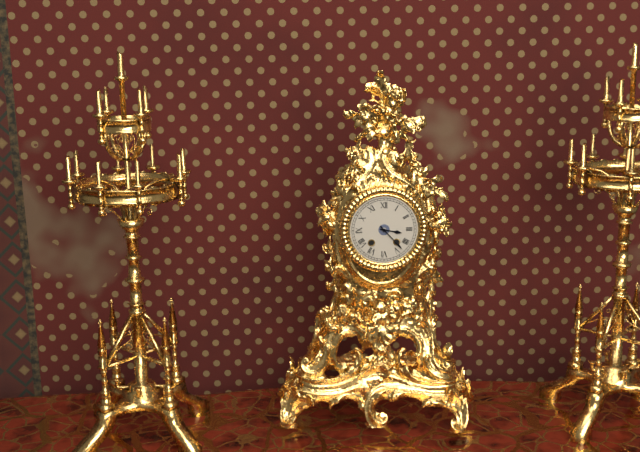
3:23
